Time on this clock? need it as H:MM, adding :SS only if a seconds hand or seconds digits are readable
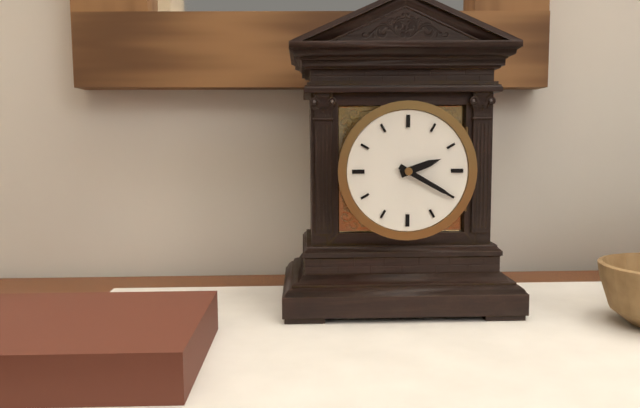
2:20
